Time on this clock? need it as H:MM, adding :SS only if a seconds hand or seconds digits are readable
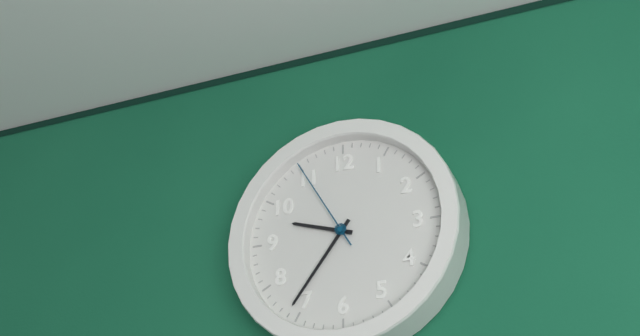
9:36:55
